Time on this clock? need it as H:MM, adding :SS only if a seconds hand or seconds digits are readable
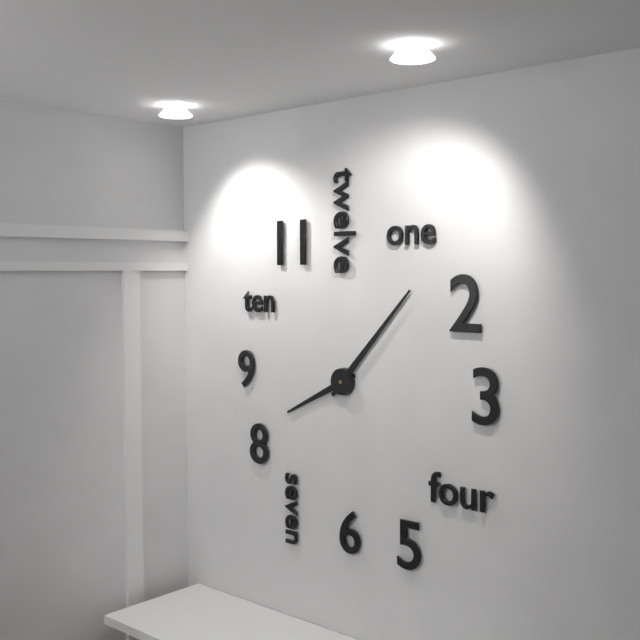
8:07
